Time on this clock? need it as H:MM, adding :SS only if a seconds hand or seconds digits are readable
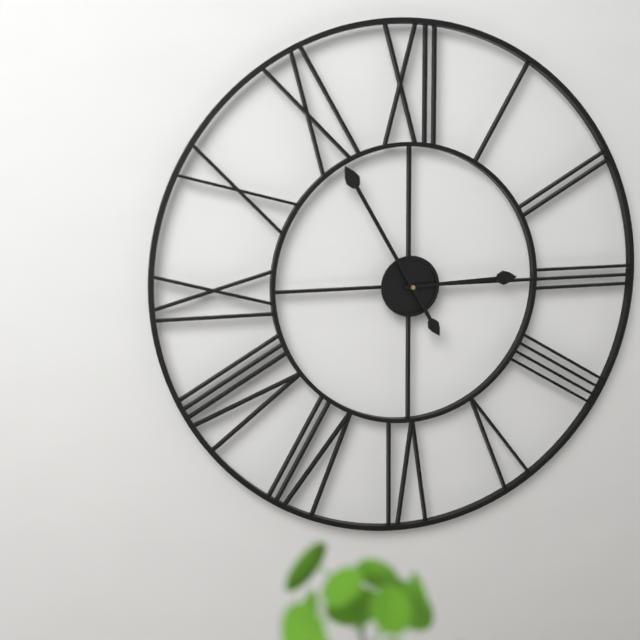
2:55
